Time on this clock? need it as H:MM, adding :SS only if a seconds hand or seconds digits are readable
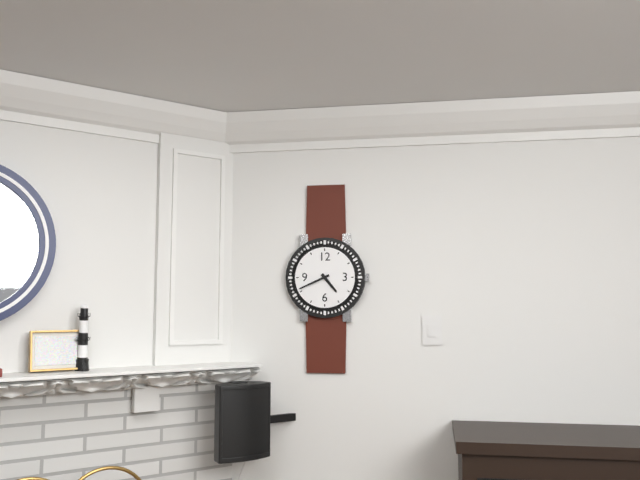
4:41
